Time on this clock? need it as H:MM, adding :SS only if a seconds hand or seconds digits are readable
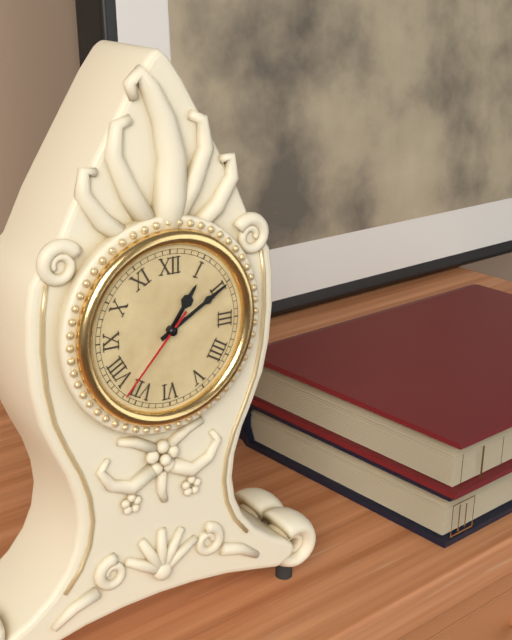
1:10:37
